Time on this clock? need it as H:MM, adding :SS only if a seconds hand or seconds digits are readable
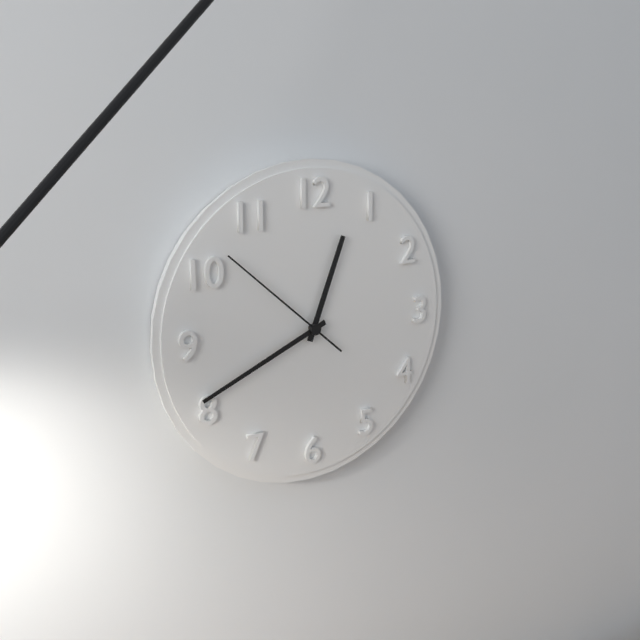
12:41:52
